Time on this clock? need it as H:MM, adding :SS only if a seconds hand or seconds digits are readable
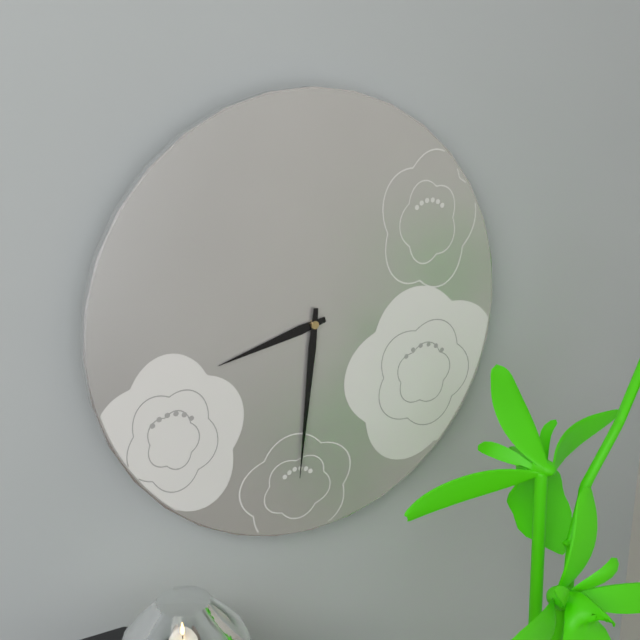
8:31
